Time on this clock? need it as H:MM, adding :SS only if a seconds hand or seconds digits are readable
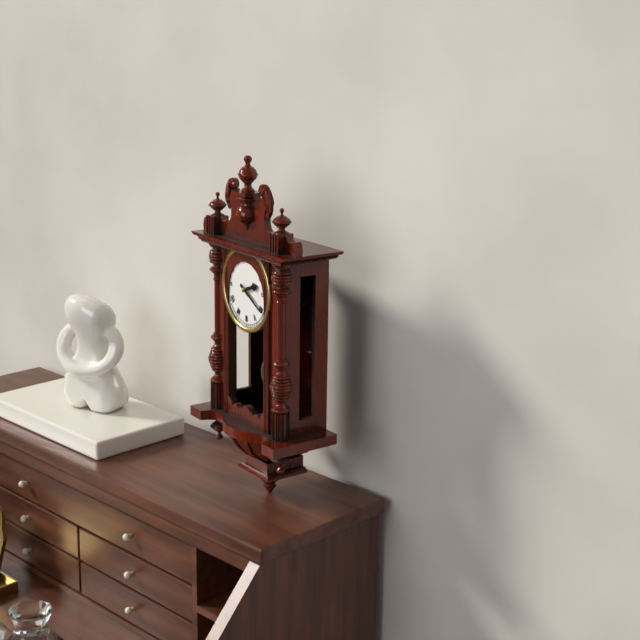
2:20
